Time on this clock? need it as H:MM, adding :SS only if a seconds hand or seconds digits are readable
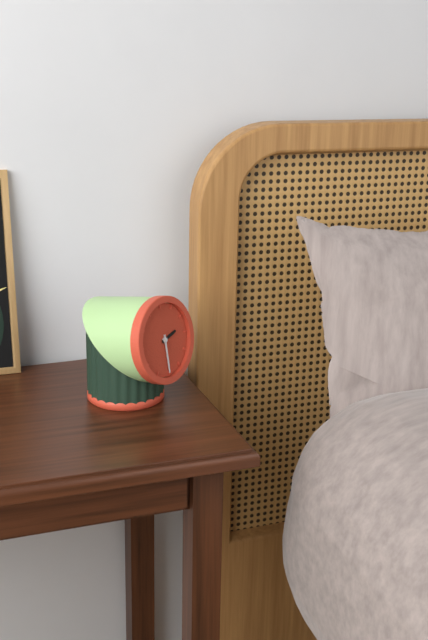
2:30
